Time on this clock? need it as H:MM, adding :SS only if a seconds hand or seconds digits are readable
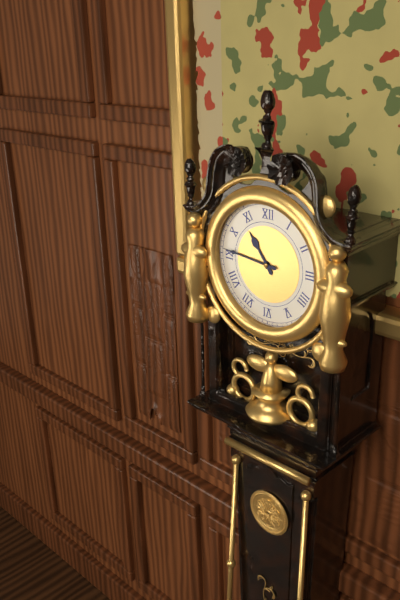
10:46
